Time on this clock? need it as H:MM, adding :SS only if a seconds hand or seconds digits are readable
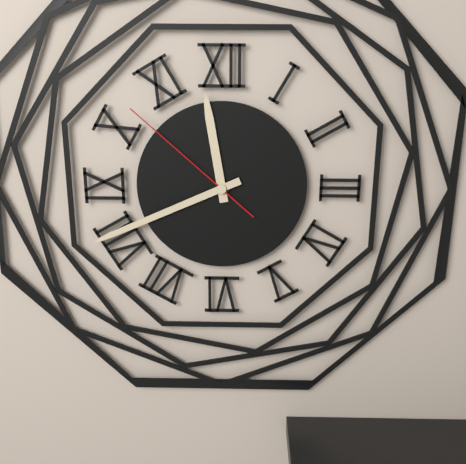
11:41:52
